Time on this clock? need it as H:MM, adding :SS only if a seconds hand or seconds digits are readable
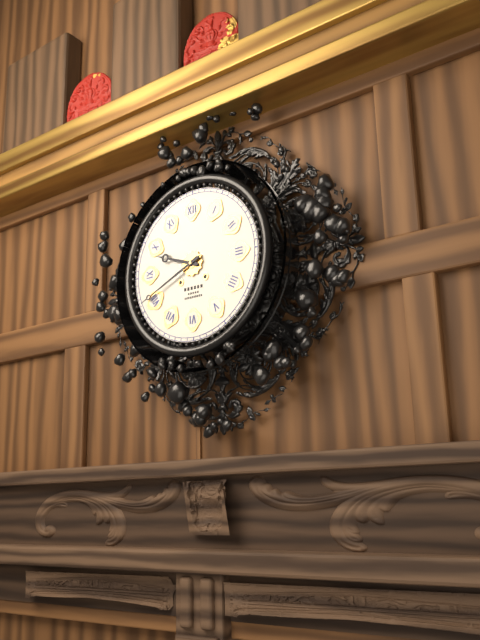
9:41
